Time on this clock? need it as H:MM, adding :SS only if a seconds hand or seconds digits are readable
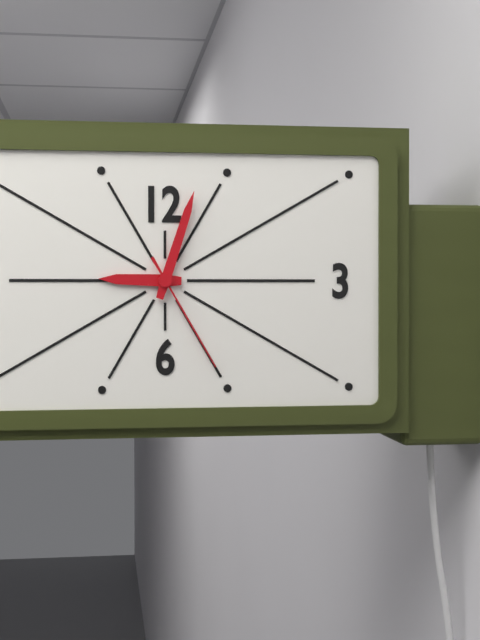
9:03:25
